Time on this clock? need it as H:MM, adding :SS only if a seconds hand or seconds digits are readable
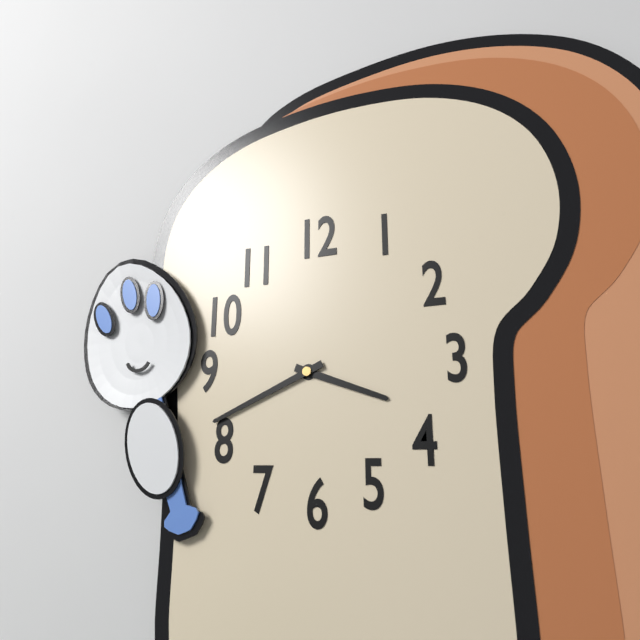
3:41
